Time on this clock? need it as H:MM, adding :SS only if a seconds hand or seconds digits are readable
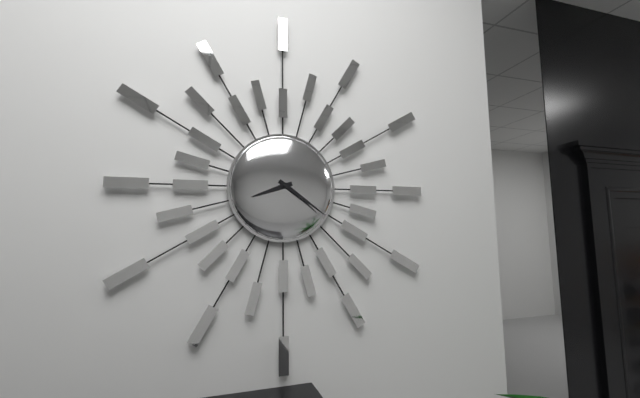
8:21
